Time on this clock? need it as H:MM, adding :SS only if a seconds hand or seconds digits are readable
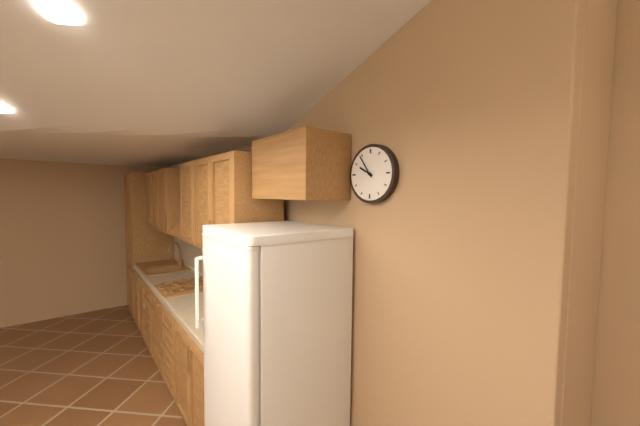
9:54
